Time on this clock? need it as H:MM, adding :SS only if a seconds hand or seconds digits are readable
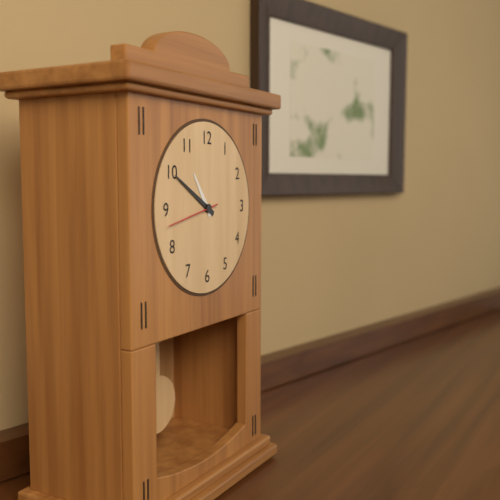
10:50:43
